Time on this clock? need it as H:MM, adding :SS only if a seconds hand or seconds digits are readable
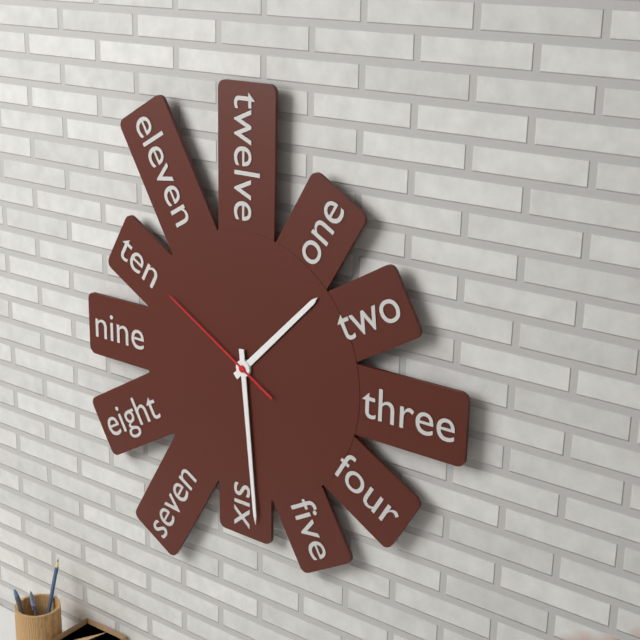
1:29:50
